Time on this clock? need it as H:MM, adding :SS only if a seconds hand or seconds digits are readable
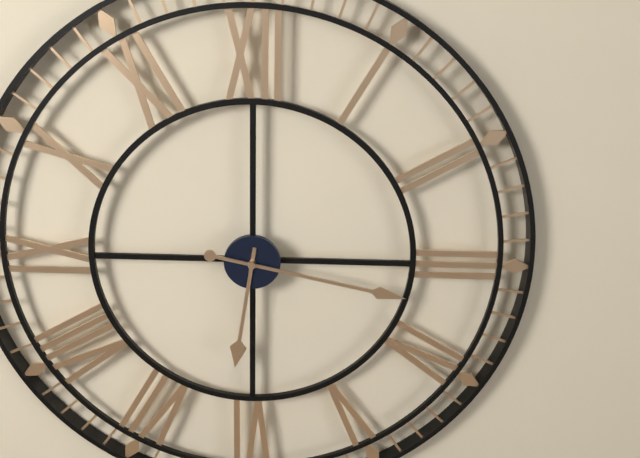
6:17
